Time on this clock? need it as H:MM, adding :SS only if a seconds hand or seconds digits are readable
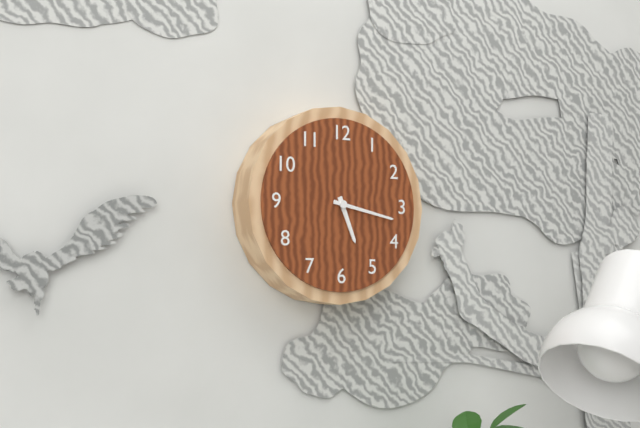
5:17
